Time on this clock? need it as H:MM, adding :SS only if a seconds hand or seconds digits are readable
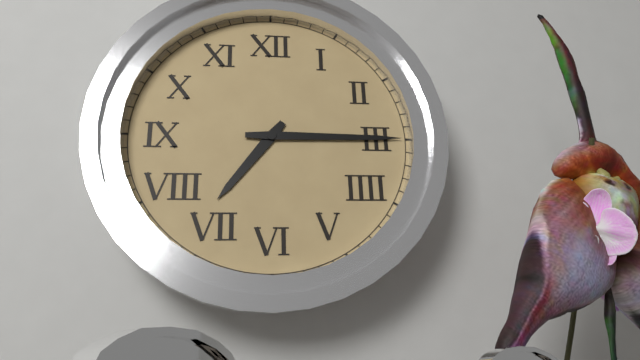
7:15
